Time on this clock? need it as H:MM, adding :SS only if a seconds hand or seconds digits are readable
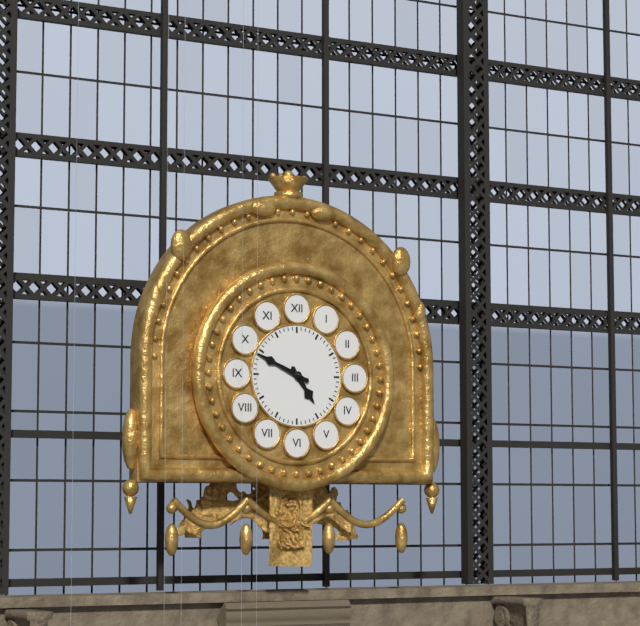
4:49
